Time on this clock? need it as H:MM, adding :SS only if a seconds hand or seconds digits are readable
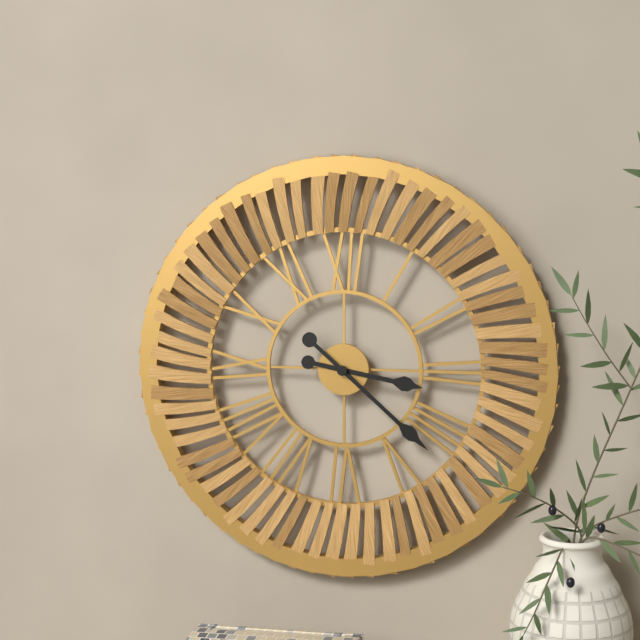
3:22
